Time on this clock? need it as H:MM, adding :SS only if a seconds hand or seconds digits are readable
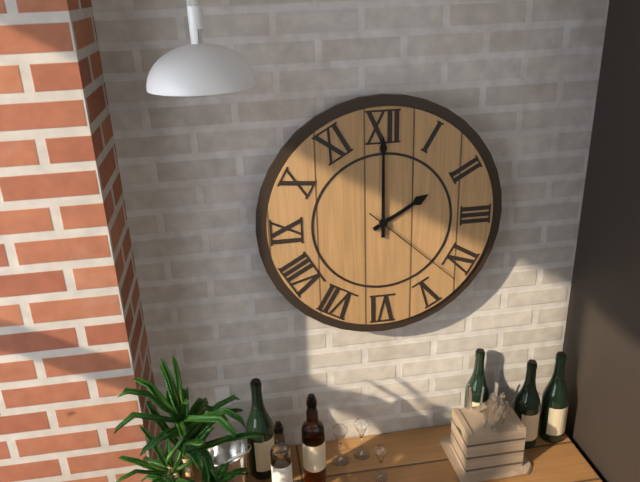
2:00:22
